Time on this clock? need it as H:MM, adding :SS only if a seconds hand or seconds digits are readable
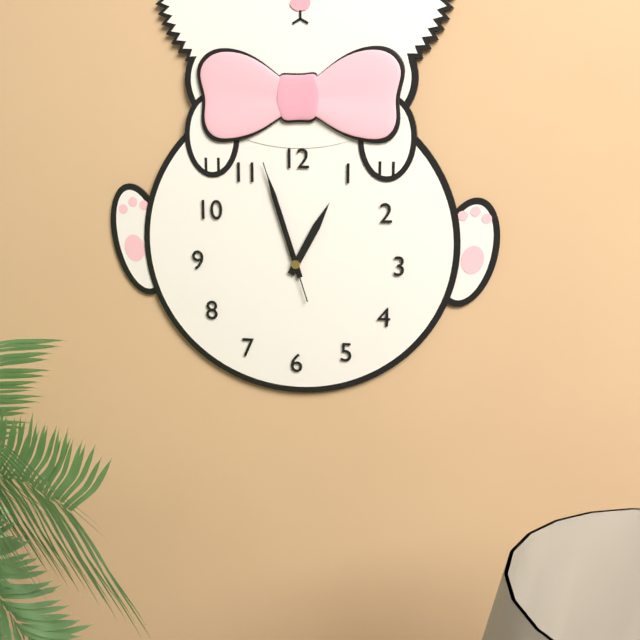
12:57:57
